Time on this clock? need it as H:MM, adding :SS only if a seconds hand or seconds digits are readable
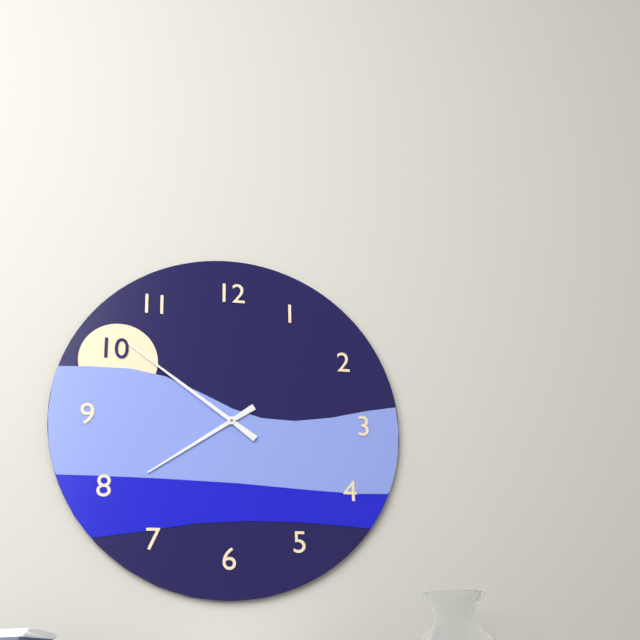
7:51
